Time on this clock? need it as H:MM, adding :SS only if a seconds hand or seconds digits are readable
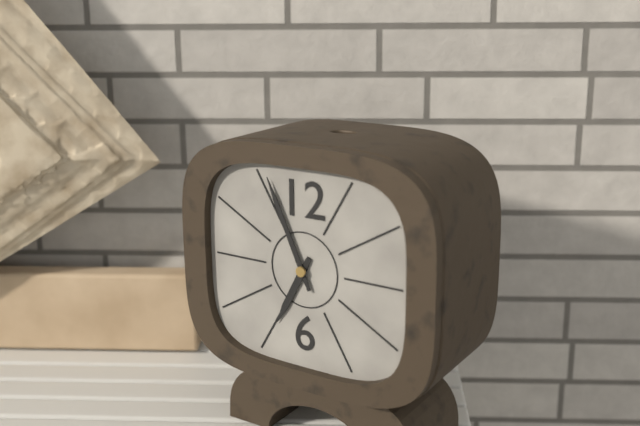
6:56
